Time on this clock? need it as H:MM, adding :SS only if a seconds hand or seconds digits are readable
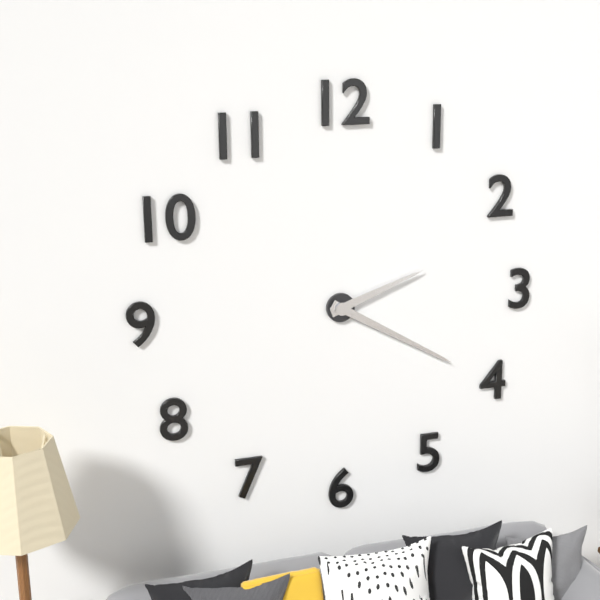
2:20
